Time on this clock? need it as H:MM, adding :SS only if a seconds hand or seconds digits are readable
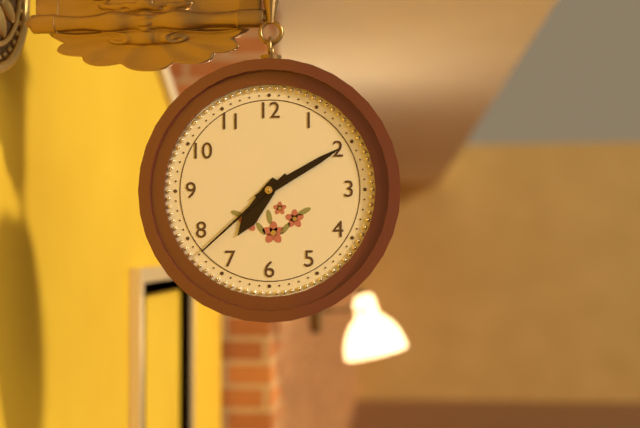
7:10:38
